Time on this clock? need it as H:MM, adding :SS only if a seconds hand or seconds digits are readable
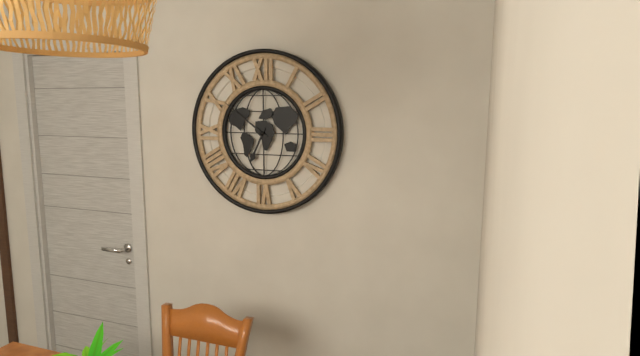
6:51
